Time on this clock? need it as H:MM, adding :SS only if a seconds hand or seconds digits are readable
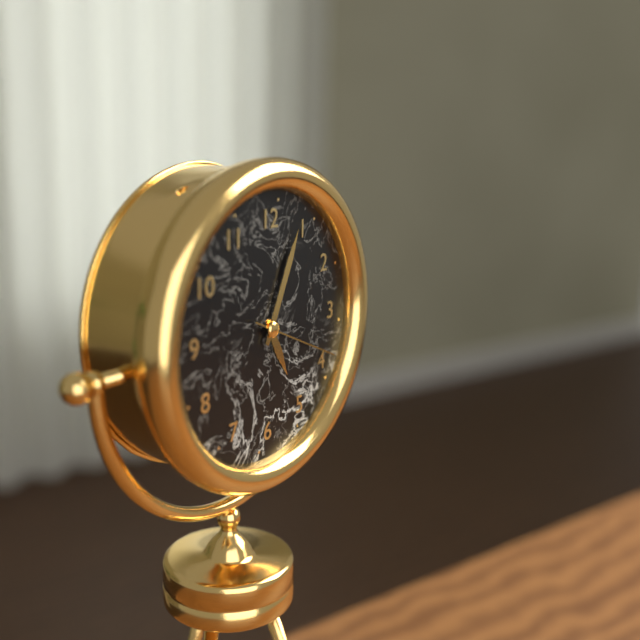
5:04:19
